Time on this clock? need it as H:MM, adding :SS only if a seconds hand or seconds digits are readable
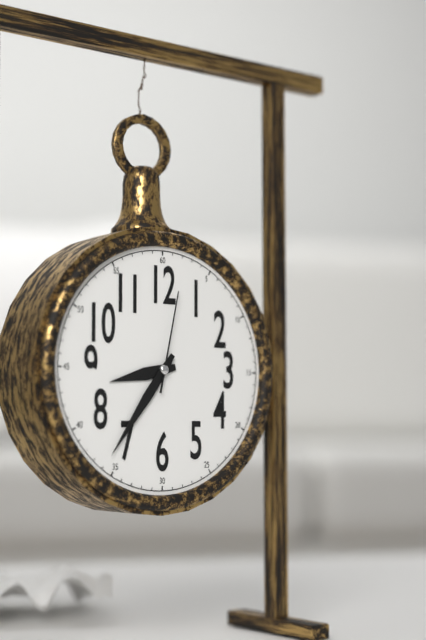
8:36:02
